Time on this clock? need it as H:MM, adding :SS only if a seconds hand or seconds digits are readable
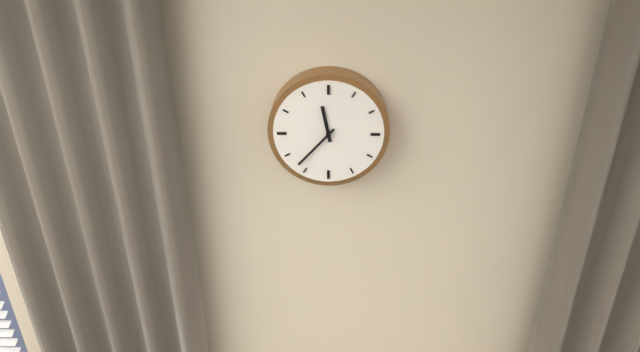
11:37
